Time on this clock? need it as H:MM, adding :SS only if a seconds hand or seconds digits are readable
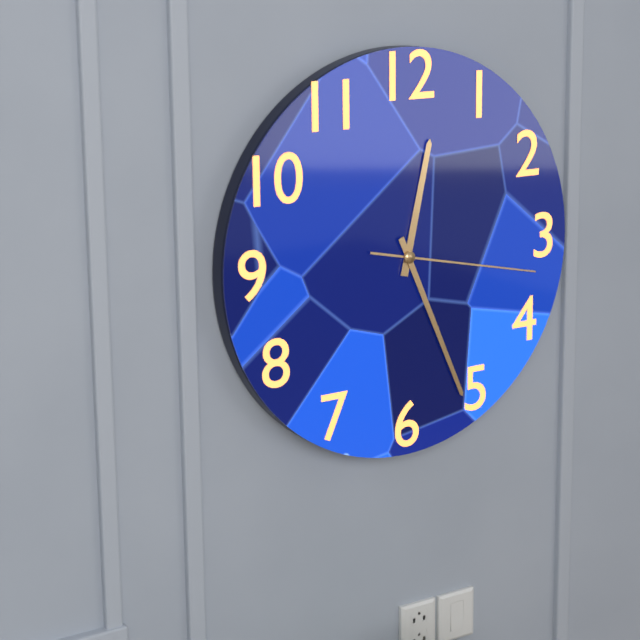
12:26:17
